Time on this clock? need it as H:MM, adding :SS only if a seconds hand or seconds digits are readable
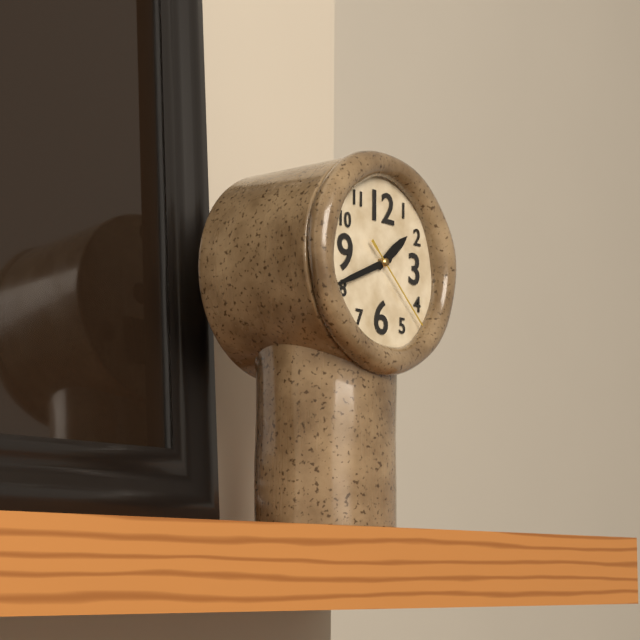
1:41:22
